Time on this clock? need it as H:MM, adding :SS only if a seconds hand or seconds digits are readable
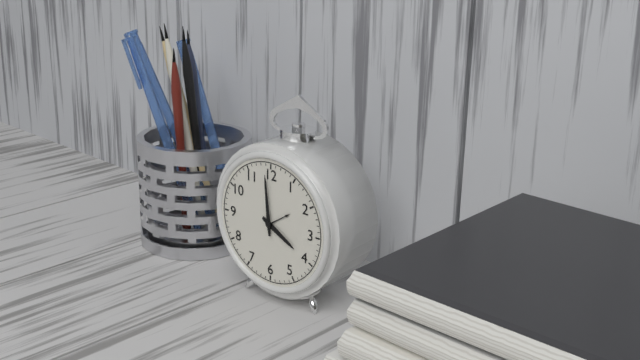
3:59
